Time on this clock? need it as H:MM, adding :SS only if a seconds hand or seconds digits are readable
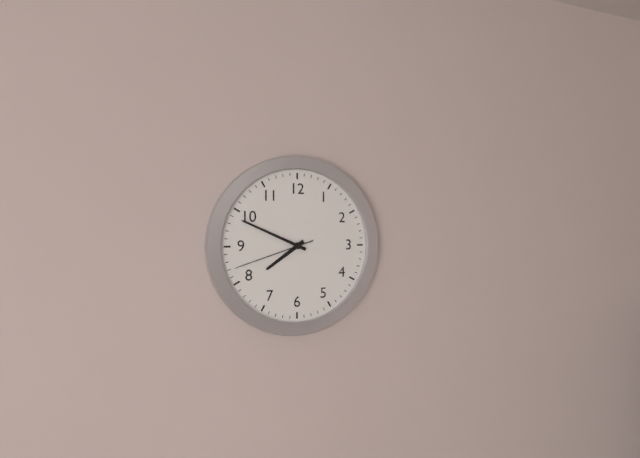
7:49:42
